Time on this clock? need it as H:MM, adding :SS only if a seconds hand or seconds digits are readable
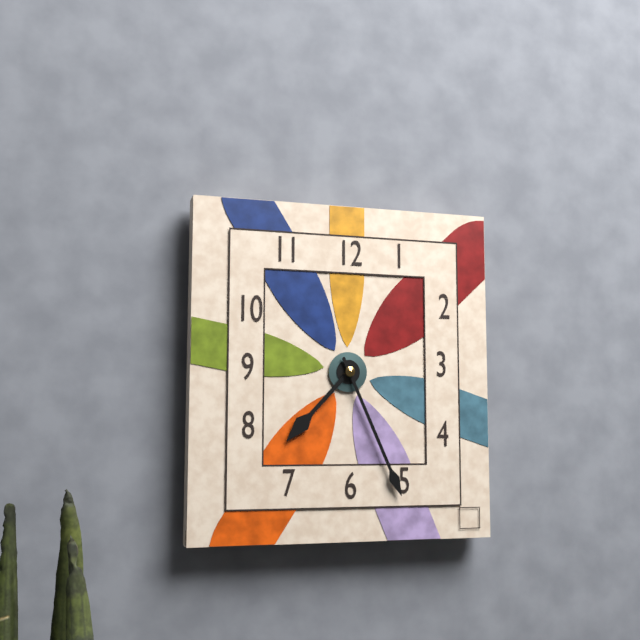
7:26
